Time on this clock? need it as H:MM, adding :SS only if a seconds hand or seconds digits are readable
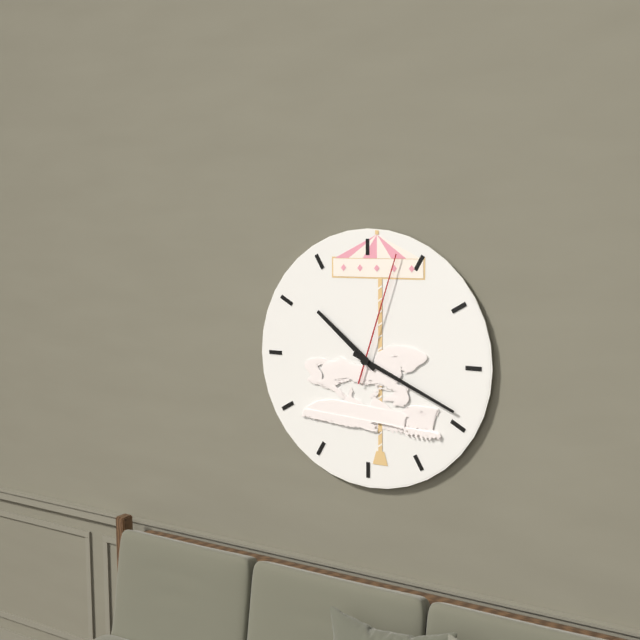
10:19:03
